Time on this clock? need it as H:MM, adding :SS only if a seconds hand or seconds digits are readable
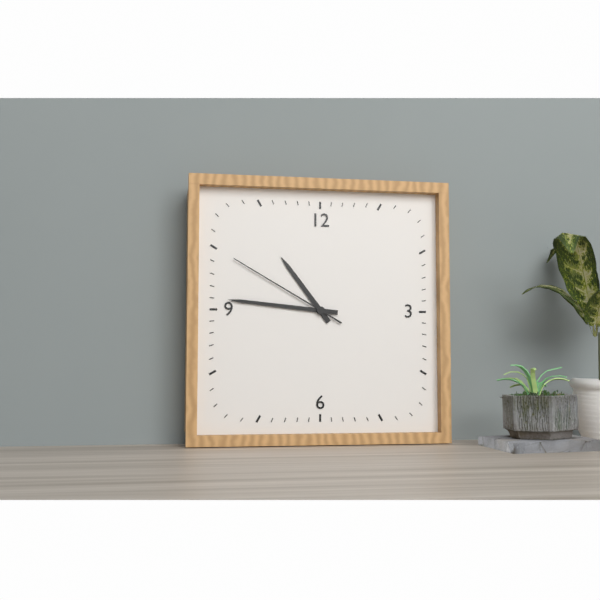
10:46:50
